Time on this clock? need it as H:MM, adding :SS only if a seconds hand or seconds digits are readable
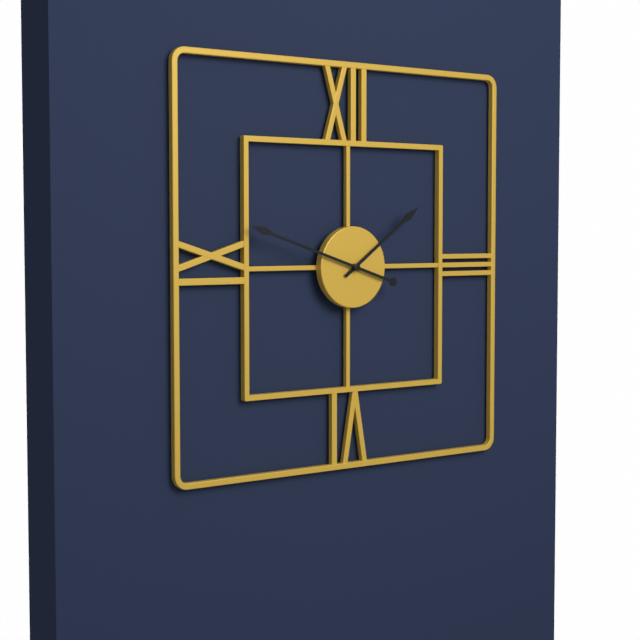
1:48
